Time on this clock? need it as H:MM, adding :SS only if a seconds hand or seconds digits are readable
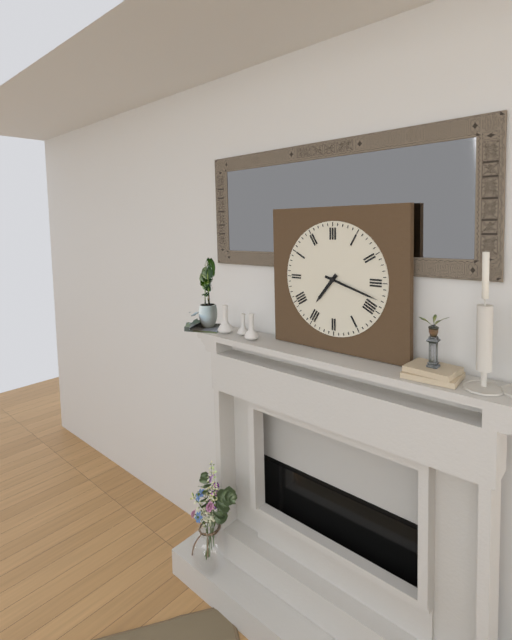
7:18
